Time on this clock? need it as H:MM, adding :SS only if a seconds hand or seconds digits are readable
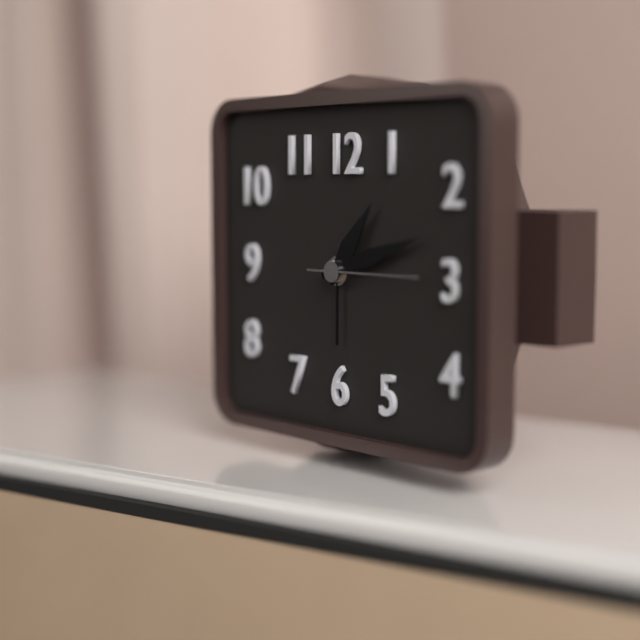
1:12:15
